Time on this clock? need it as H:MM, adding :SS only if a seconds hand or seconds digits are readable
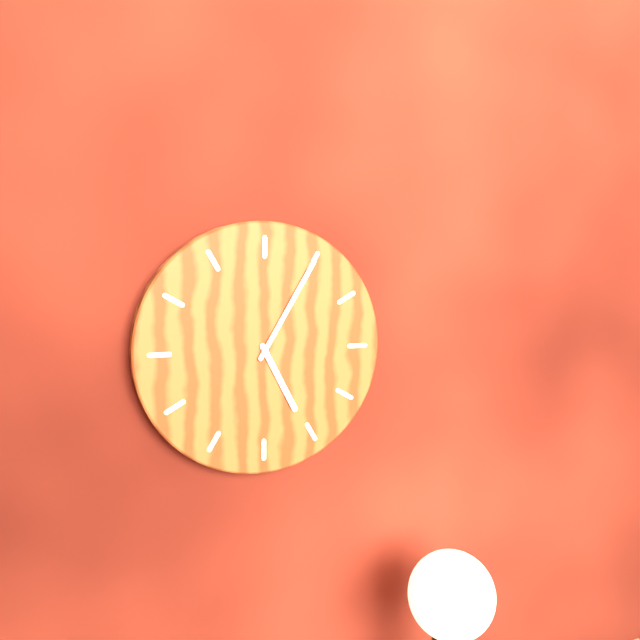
5:05
